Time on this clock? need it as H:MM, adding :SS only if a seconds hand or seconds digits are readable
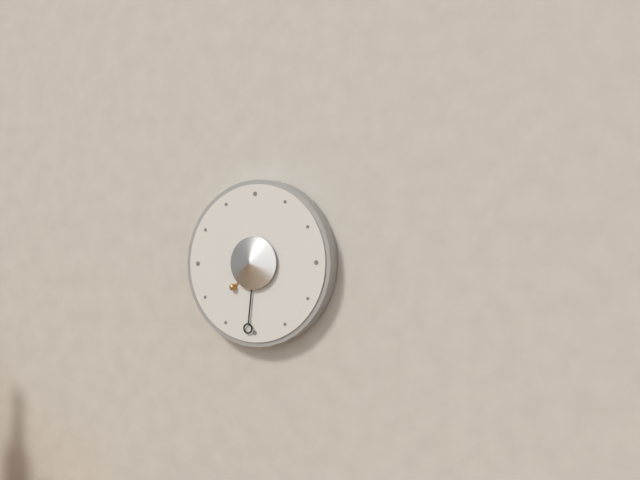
7:31
